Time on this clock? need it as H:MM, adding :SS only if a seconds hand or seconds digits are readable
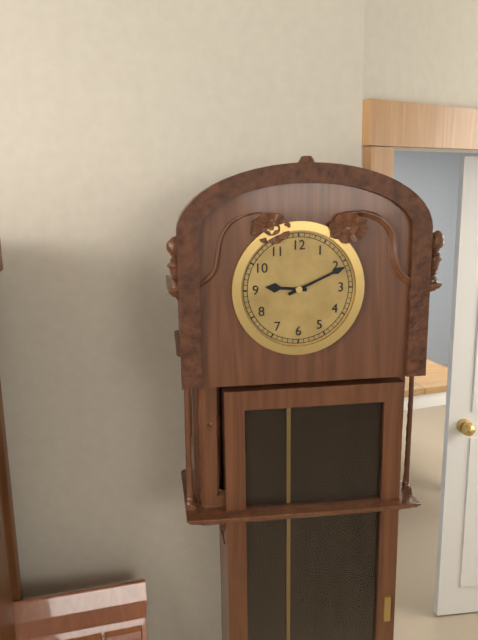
9:11
